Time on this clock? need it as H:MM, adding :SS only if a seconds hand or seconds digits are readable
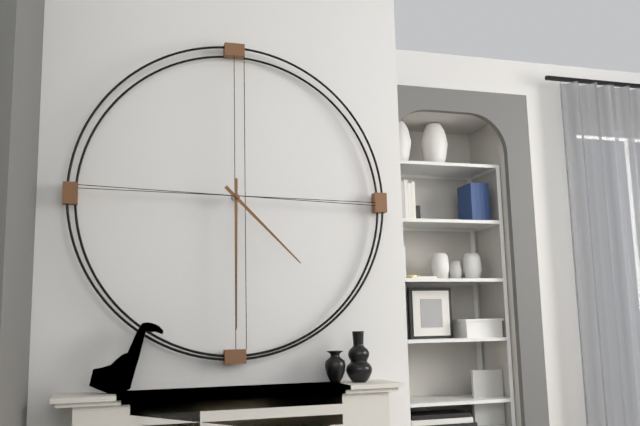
4:30
